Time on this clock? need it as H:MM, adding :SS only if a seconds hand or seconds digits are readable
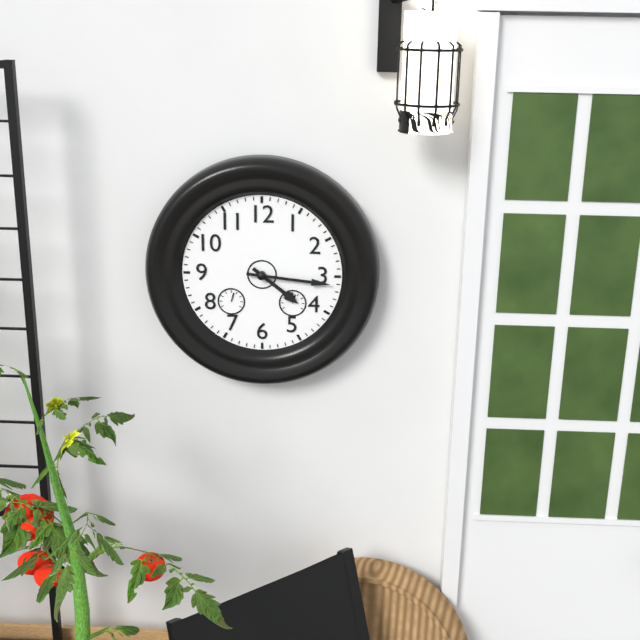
4:16
